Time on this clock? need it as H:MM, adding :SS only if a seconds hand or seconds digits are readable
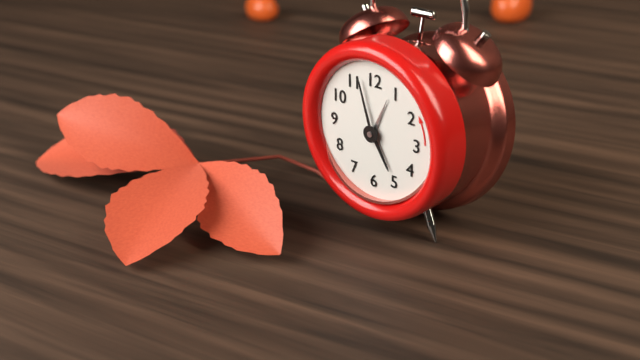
4:57
